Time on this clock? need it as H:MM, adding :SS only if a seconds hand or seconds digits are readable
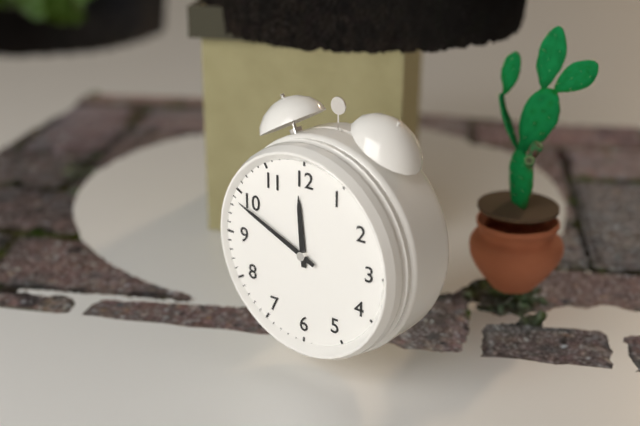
11:49
